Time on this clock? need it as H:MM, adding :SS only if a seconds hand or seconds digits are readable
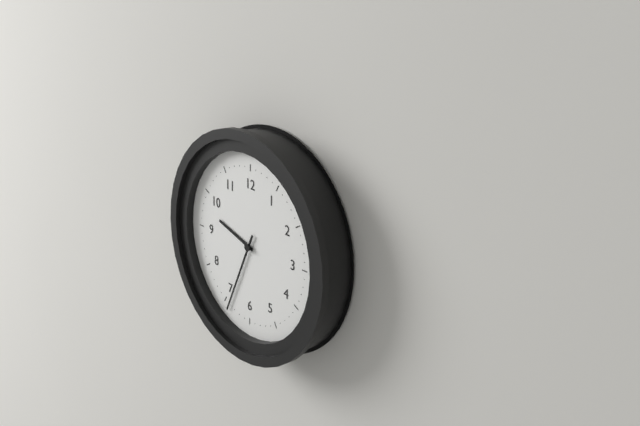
9:34
